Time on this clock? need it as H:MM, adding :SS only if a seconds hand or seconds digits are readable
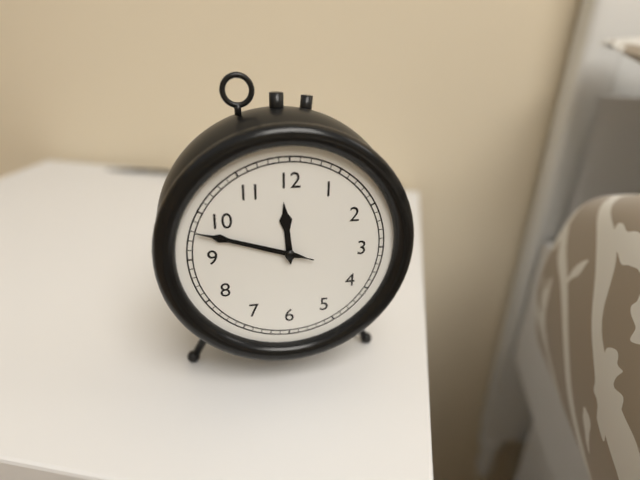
11:48:48
